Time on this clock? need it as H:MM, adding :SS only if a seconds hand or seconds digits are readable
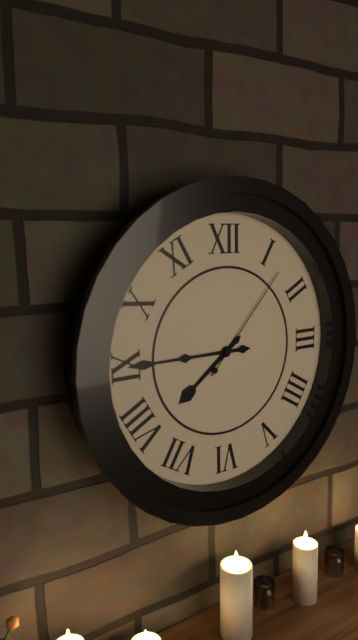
7:45:07
